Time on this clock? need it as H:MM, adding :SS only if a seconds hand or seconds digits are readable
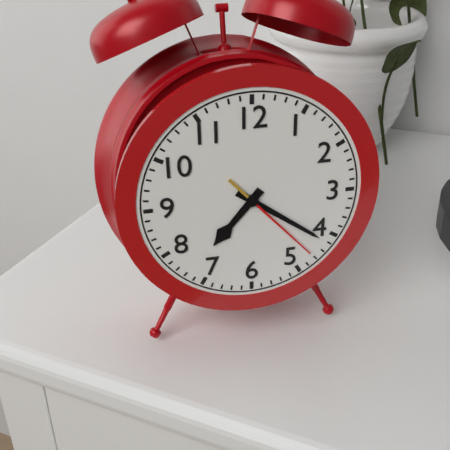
7:21:23
